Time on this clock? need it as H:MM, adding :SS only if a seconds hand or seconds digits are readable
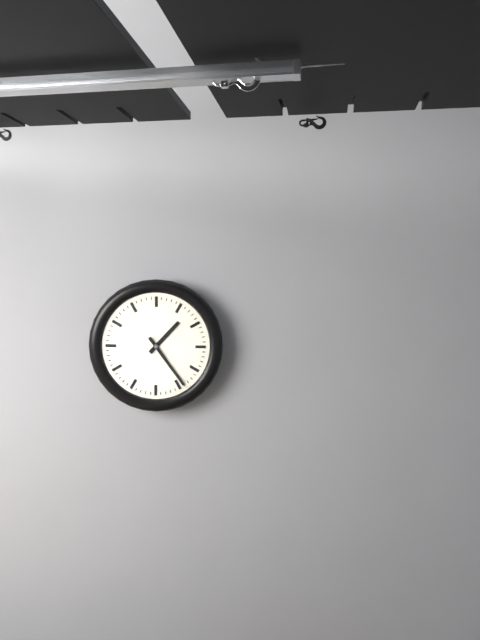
1:24
